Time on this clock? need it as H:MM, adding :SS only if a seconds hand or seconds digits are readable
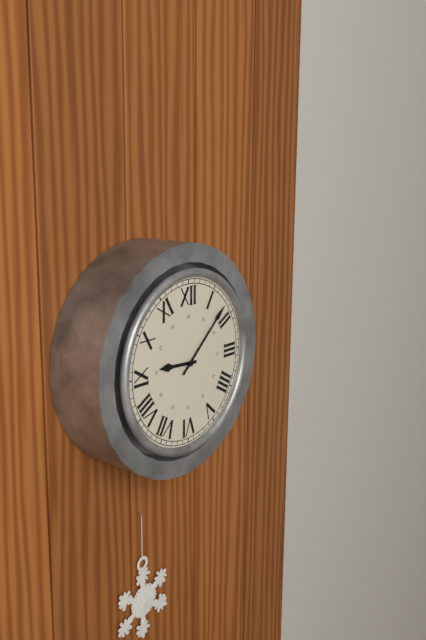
9:08
